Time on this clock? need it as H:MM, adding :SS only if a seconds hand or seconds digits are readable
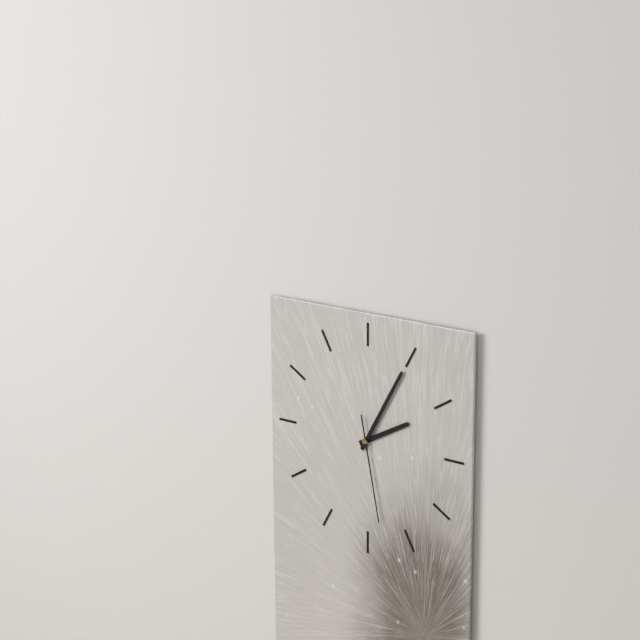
2:05:28
